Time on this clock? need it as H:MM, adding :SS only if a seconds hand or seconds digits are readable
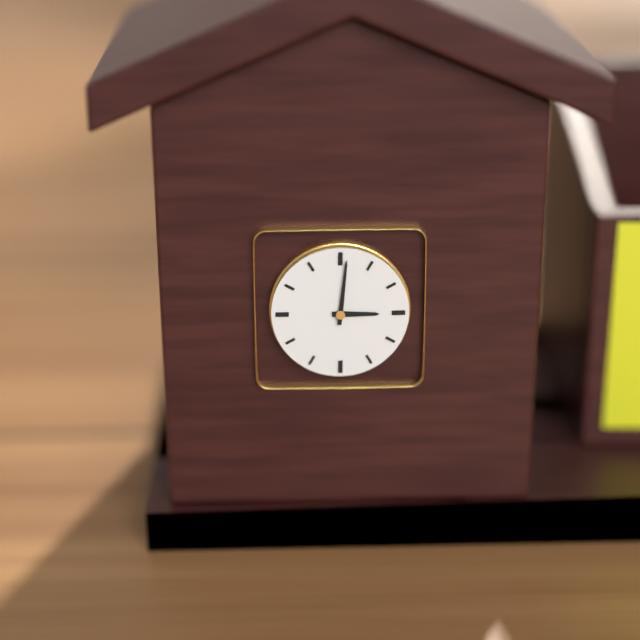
3:01
